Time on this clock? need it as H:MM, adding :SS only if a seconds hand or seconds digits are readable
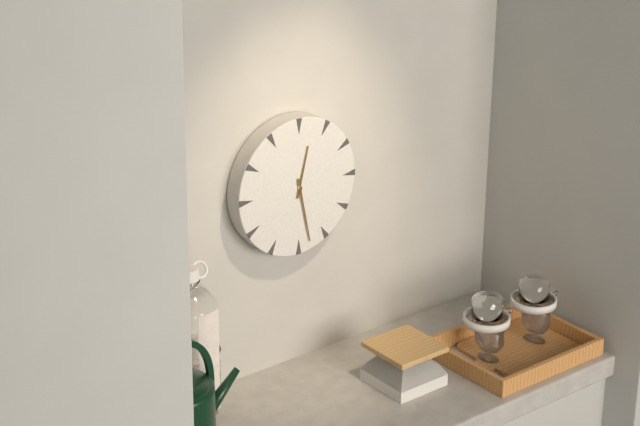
12:28
